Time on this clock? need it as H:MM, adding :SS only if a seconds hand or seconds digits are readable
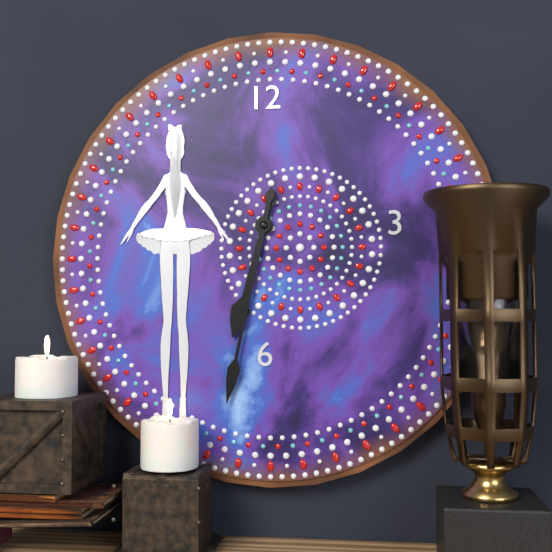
6:32
